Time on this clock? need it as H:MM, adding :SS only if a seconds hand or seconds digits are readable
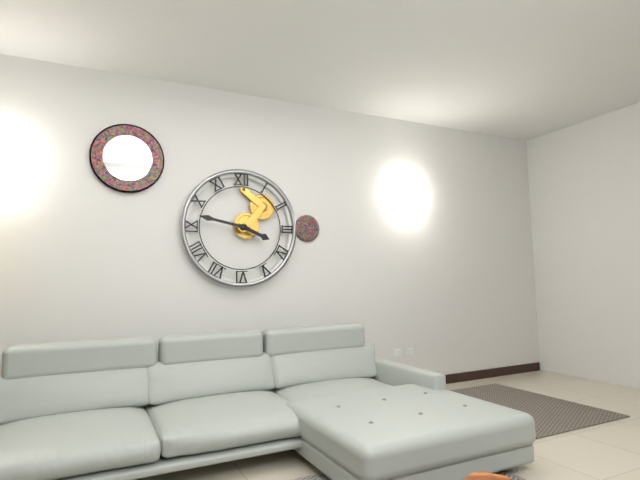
3:47
